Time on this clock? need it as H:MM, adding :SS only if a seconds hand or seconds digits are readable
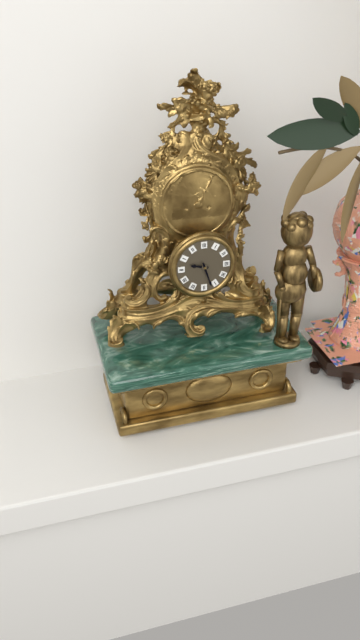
9:27
